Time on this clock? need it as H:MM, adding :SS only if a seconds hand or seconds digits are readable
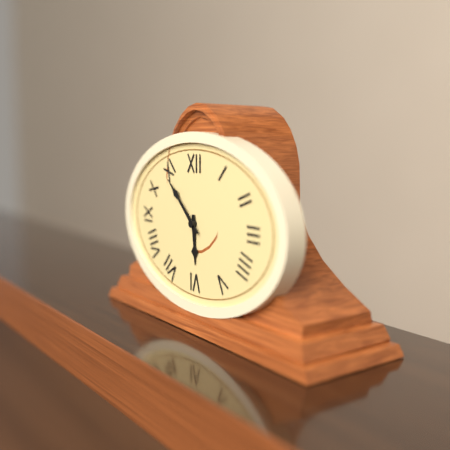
5:52
